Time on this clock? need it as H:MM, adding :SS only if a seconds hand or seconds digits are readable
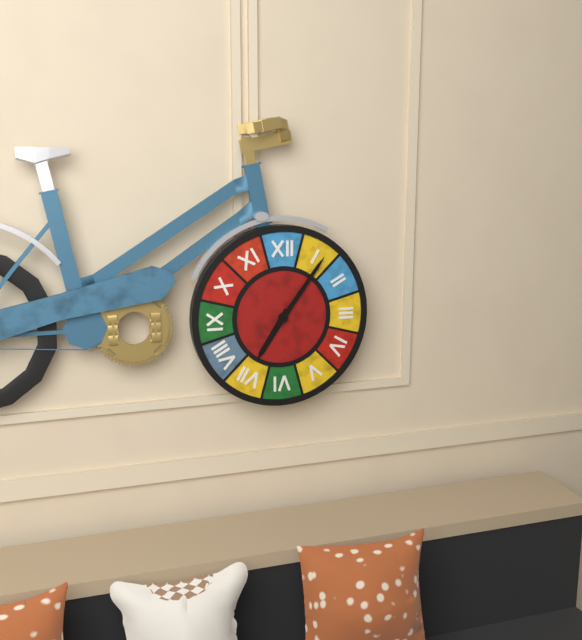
7:06
